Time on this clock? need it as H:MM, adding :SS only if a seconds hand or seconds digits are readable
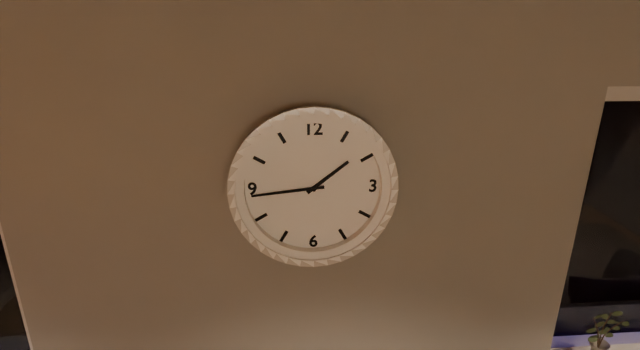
1:44
